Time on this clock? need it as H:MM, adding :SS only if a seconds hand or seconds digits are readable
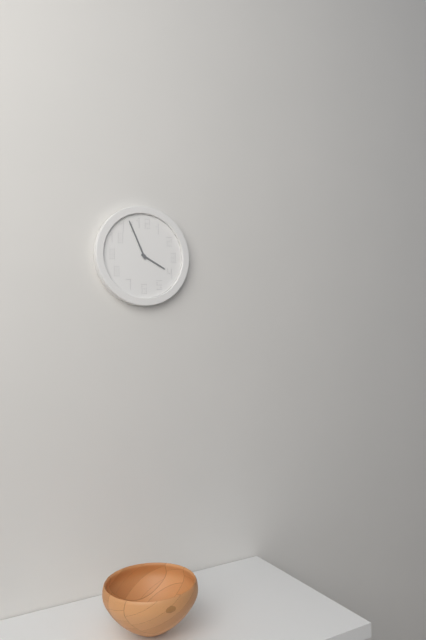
3:56
